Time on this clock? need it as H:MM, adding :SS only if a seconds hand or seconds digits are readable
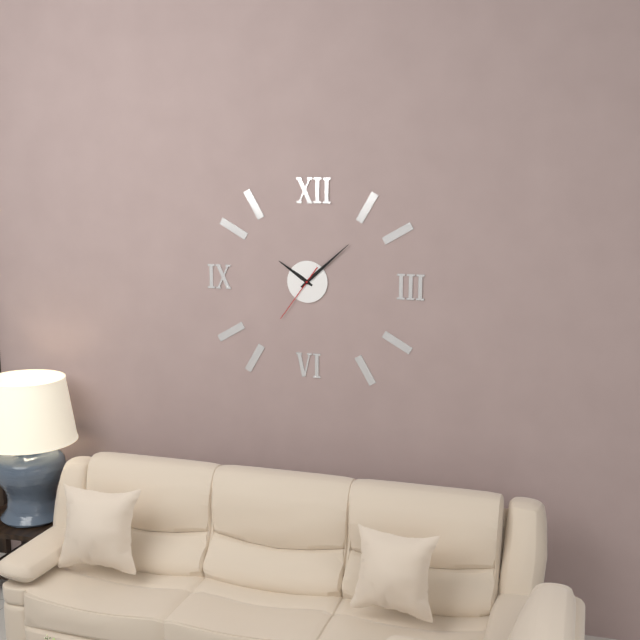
10:08:36
